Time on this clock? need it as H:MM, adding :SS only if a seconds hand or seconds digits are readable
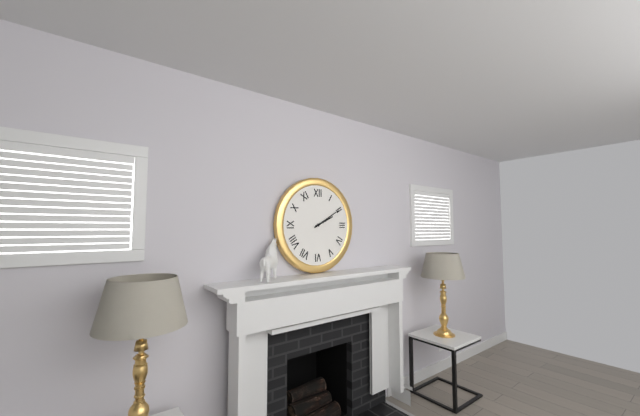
2:10
